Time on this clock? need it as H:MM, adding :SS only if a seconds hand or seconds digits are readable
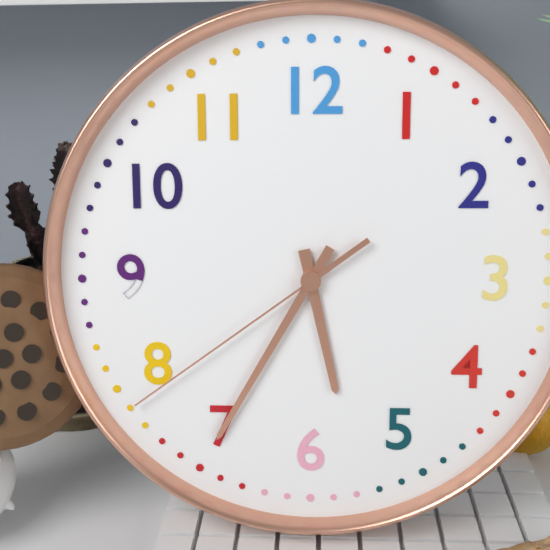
5:35:39
